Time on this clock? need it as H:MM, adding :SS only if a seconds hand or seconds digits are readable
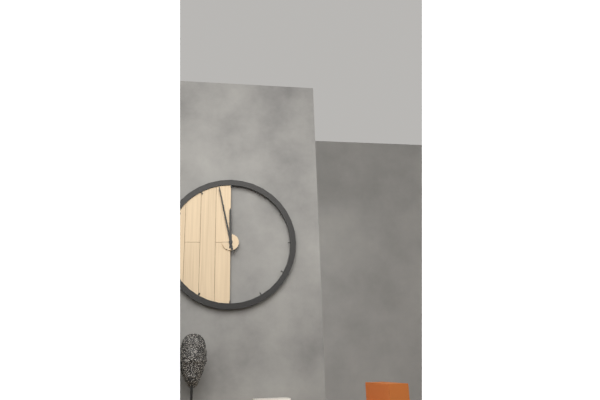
11:58
